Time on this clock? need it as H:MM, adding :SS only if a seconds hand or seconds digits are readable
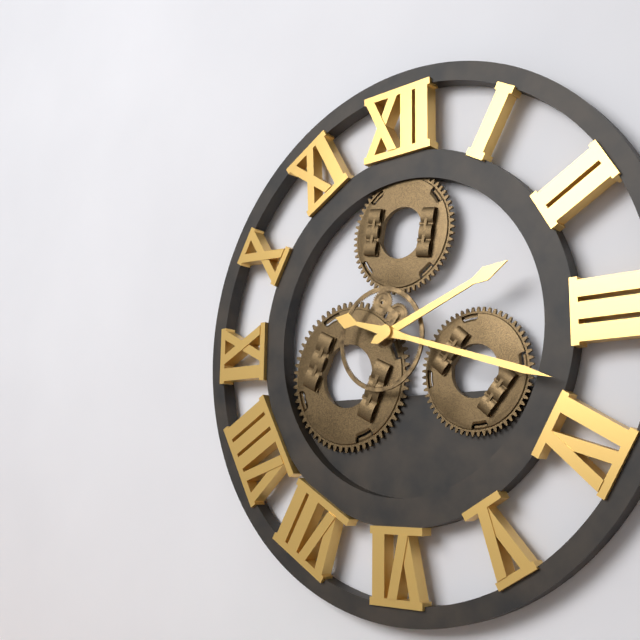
2:18
